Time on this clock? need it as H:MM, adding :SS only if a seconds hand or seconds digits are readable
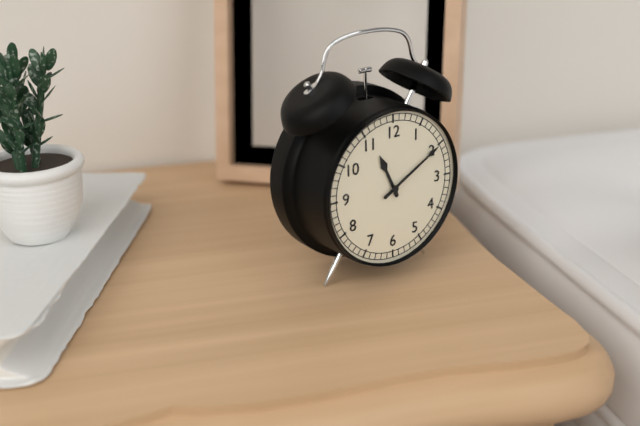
11:10
